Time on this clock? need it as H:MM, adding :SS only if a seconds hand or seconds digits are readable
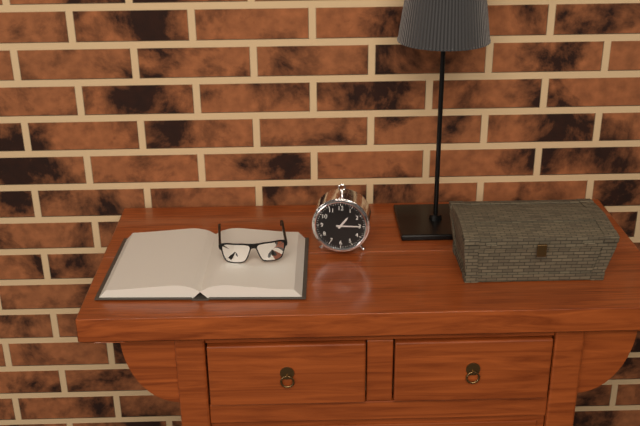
1:15
